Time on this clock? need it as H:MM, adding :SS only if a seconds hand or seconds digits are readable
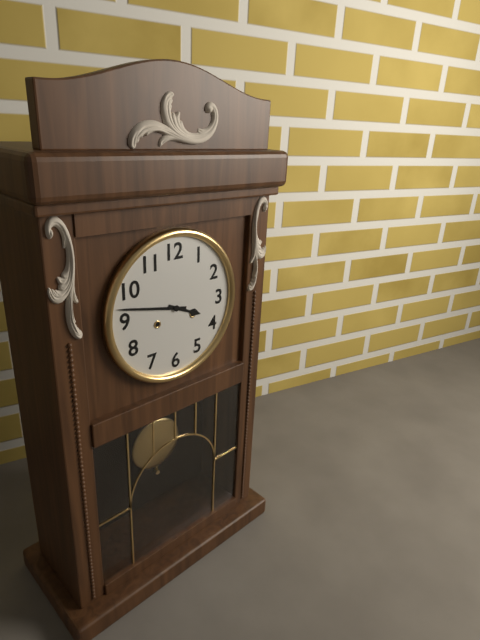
3:47
